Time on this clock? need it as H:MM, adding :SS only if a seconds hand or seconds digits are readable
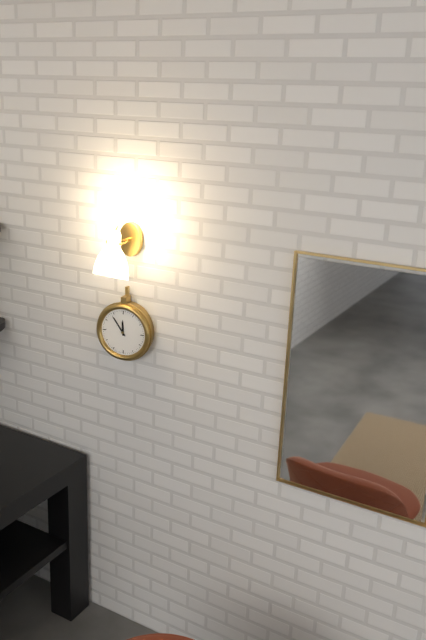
11:54
